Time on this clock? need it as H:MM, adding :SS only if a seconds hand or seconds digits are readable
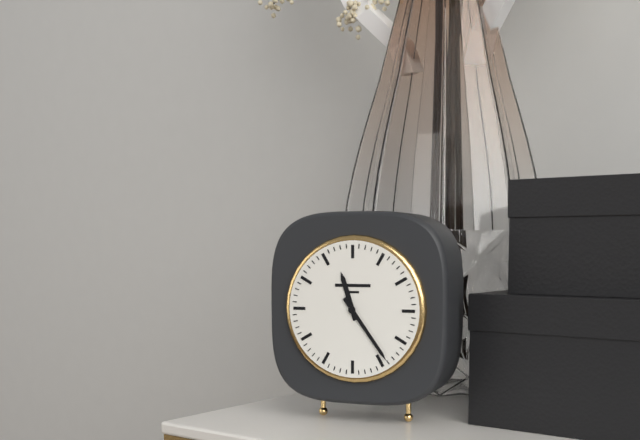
11:24
